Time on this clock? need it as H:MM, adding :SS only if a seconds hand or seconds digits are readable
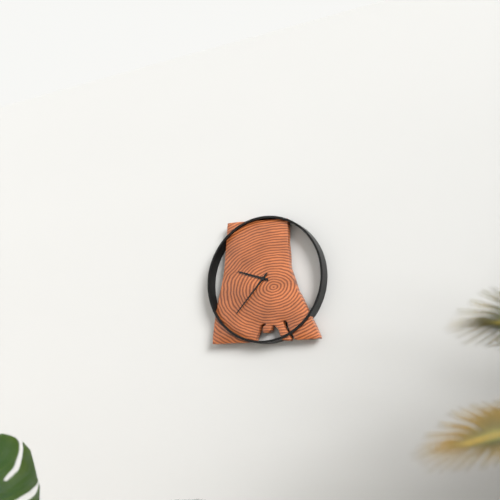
9:37
